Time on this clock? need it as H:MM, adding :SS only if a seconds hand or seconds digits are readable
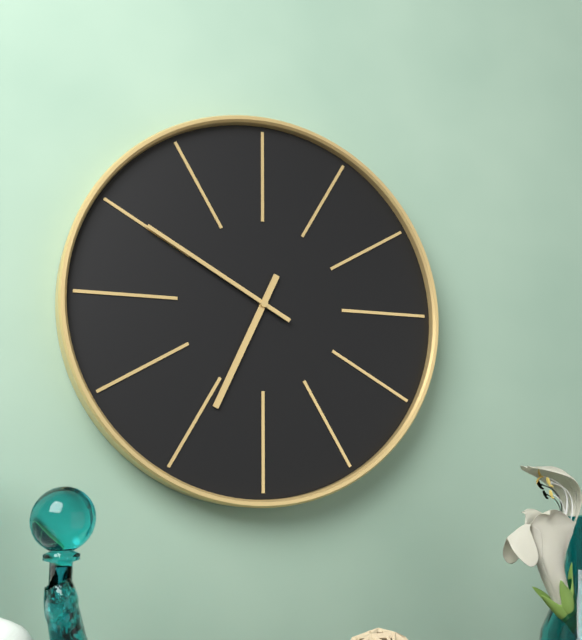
6:50
